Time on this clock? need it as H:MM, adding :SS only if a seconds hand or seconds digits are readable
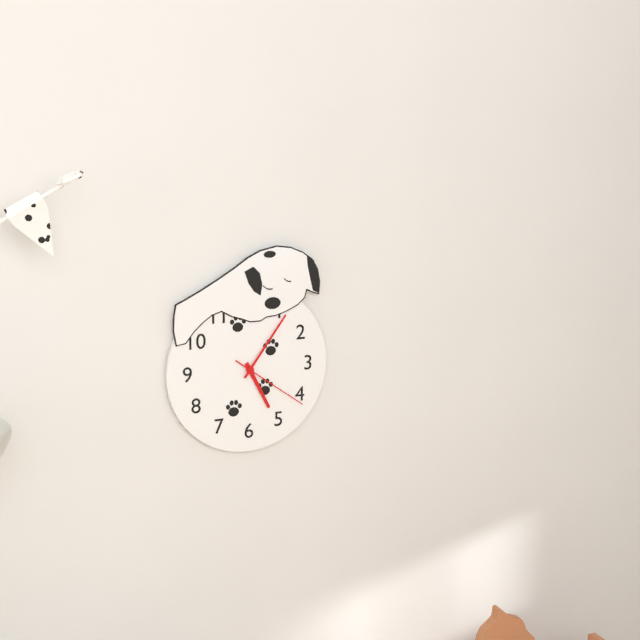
5:06:21
